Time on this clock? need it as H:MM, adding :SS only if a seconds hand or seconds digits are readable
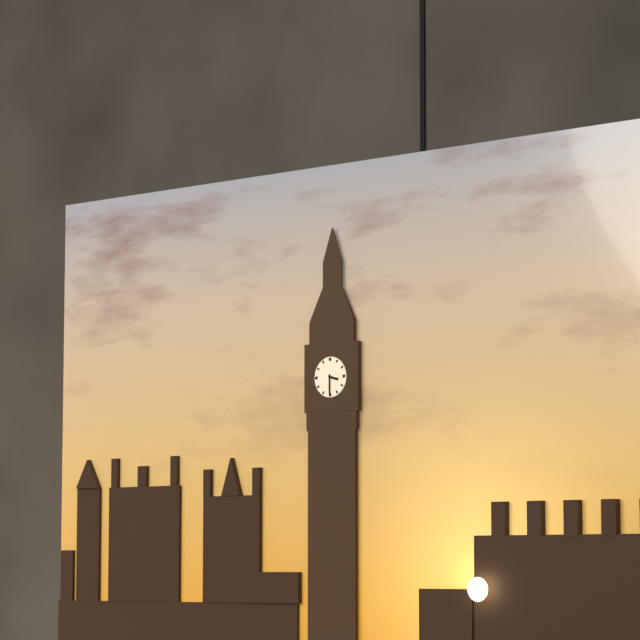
3:30
